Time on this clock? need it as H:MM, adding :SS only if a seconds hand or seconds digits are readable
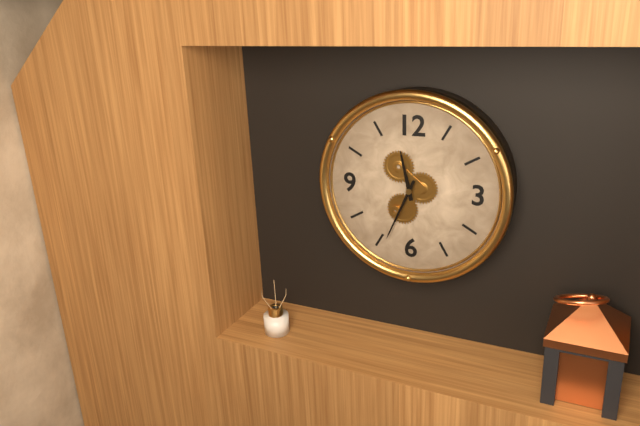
11:34
